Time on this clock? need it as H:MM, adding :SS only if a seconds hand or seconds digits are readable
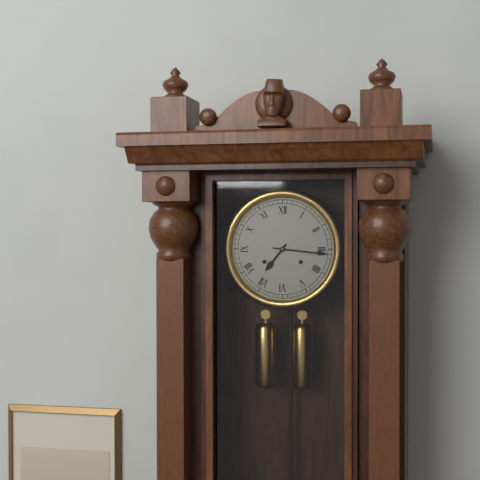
7:16
